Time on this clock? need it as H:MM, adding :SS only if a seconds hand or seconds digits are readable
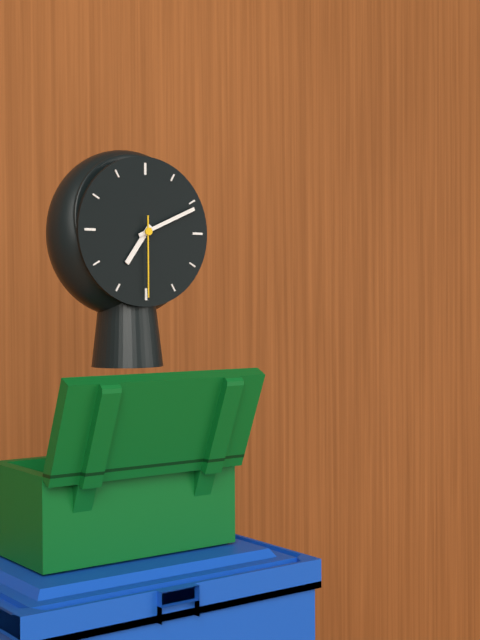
7:11:30
